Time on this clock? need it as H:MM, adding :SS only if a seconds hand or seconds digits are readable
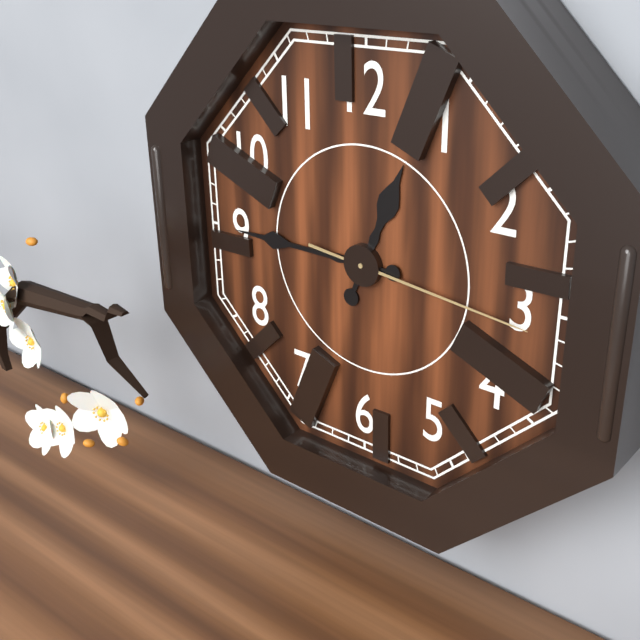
12:45:16
